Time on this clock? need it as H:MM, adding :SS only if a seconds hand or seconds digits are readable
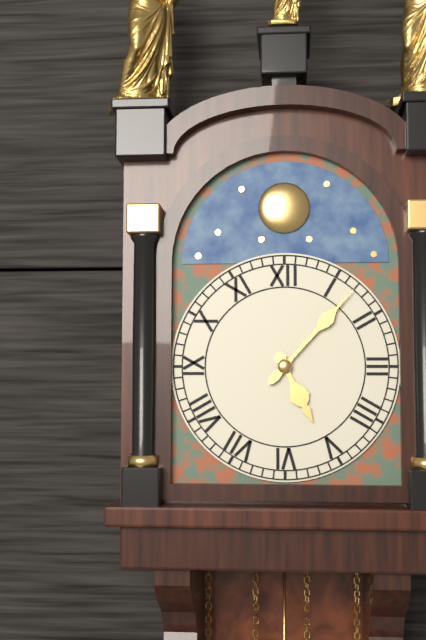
5:07
